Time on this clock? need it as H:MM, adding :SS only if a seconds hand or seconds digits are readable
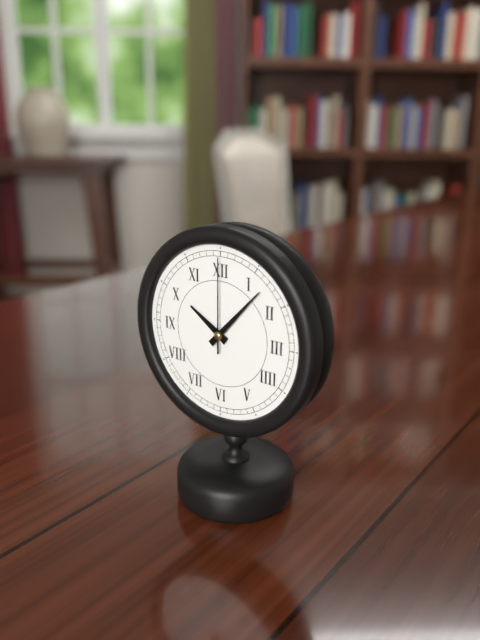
10:07:00
